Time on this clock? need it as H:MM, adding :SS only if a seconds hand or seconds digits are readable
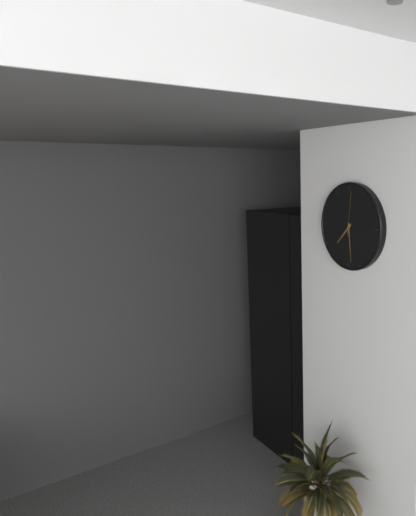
7:29
